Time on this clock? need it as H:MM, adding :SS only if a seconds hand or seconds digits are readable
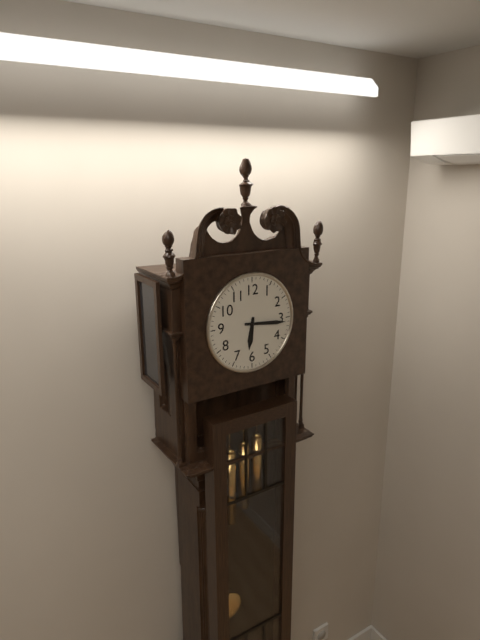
6:16
